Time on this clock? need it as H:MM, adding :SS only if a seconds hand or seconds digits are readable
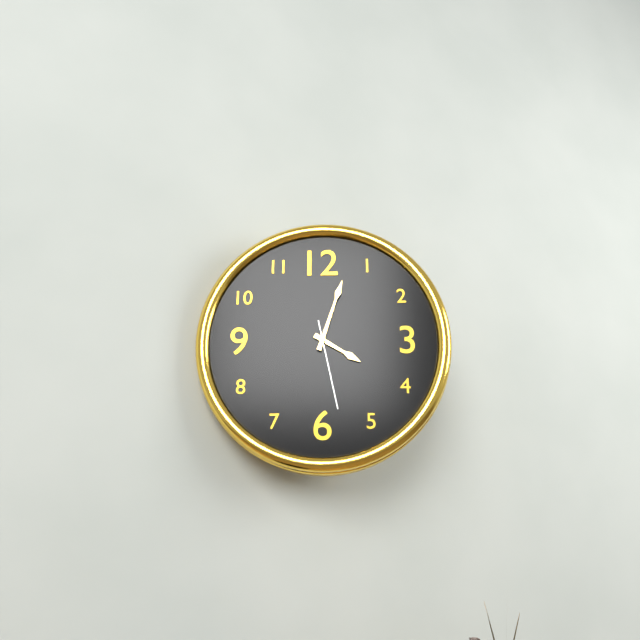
4:03:28
